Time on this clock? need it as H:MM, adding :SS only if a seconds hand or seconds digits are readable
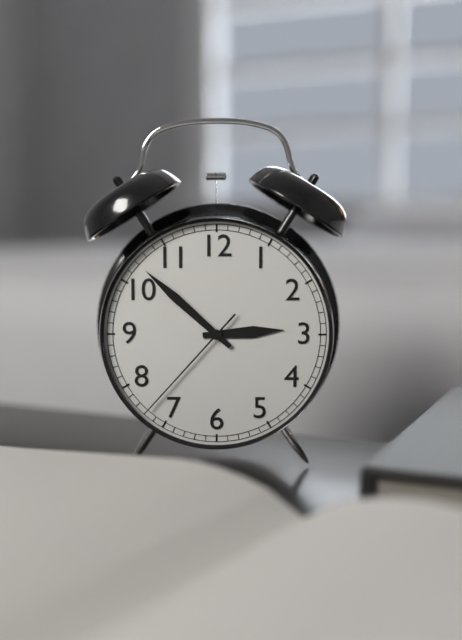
2:52:37
